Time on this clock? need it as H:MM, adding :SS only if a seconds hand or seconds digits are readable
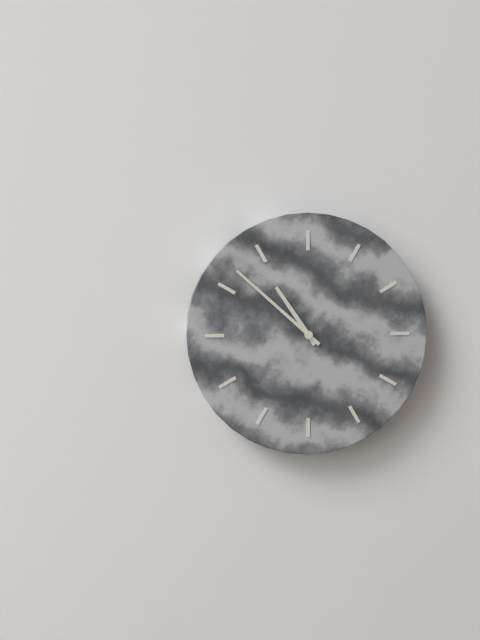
10:52
